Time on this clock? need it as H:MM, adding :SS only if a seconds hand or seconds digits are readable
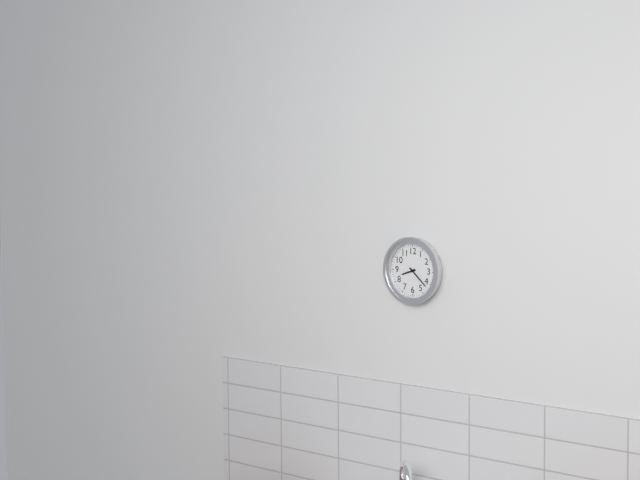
8:22
